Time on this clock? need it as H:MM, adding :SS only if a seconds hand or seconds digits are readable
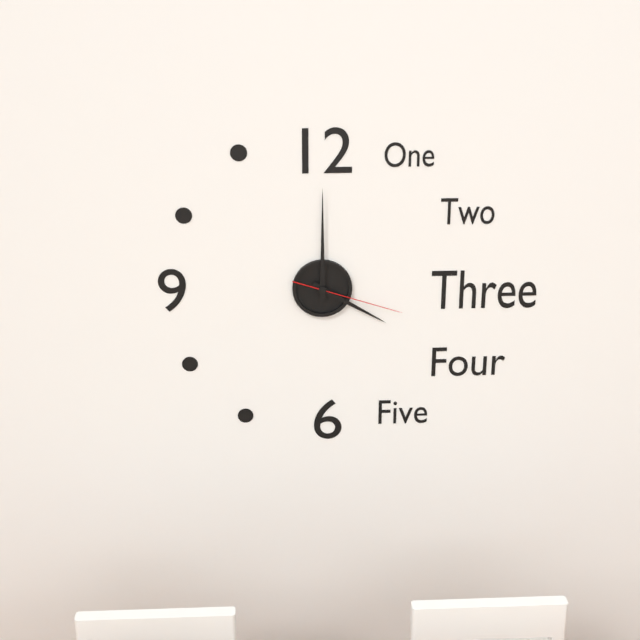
4:00:18
